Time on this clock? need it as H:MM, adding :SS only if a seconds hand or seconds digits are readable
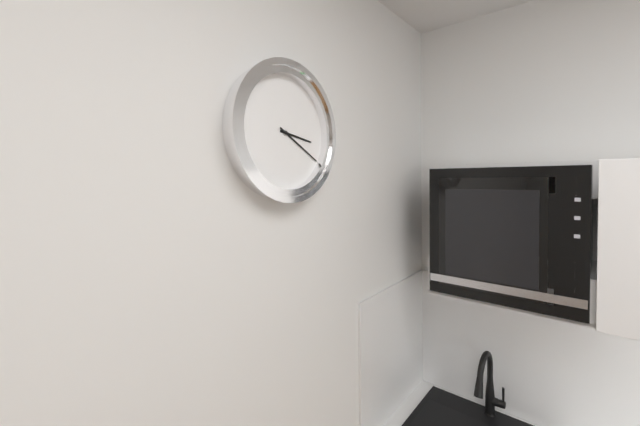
3:20
